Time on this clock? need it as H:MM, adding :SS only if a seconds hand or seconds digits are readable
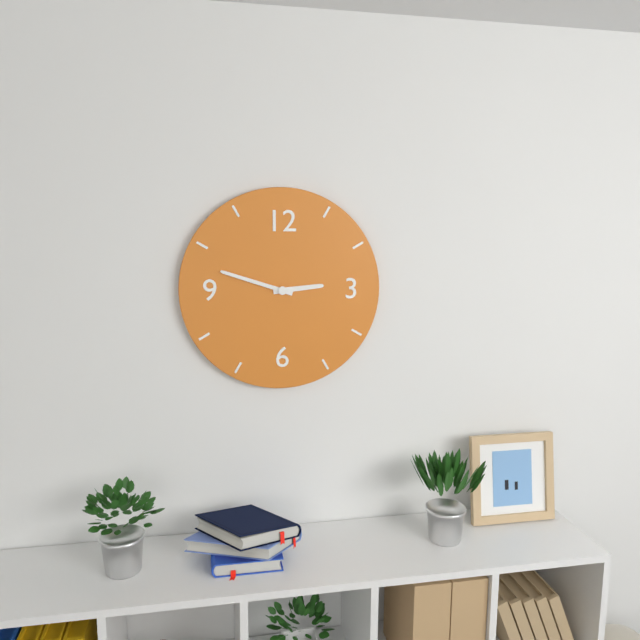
2:48
